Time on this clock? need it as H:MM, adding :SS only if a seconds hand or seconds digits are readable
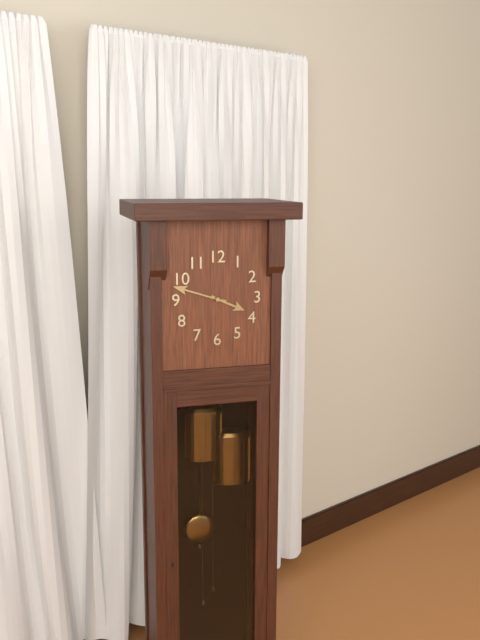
3:48
